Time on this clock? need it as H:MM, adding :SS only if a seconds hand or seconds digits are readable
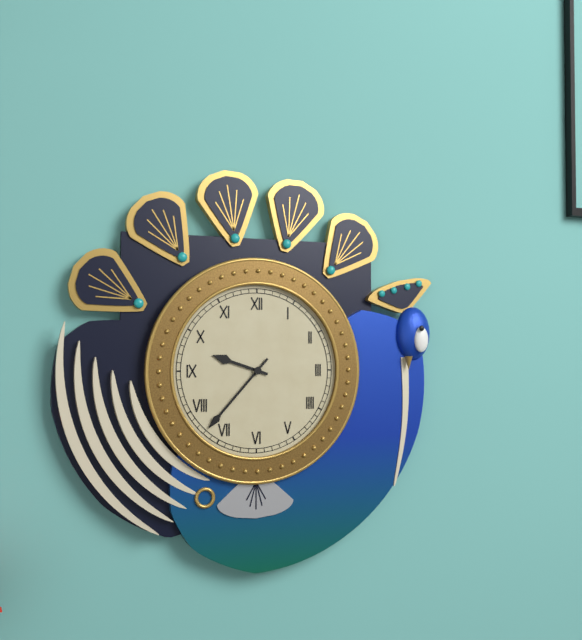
9:37
